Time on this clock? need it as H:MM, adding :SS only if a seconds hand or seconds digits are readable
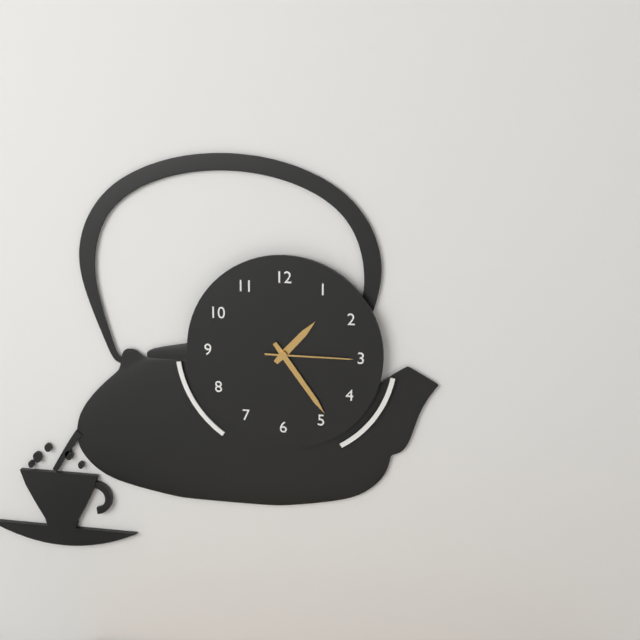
1:24:15
